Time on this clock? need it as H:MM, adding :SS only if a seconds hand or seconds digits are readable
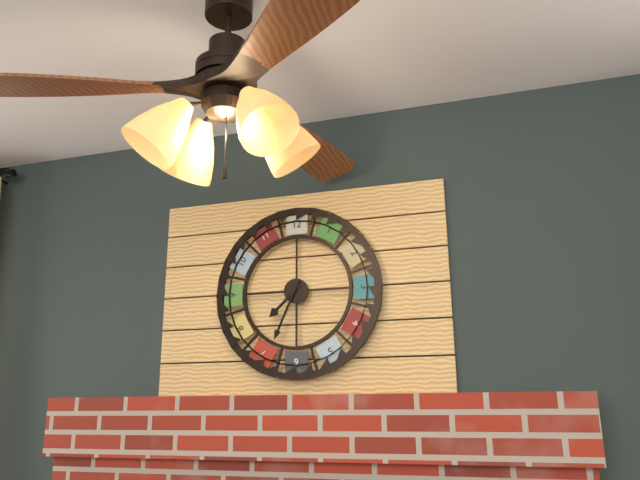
7:34
